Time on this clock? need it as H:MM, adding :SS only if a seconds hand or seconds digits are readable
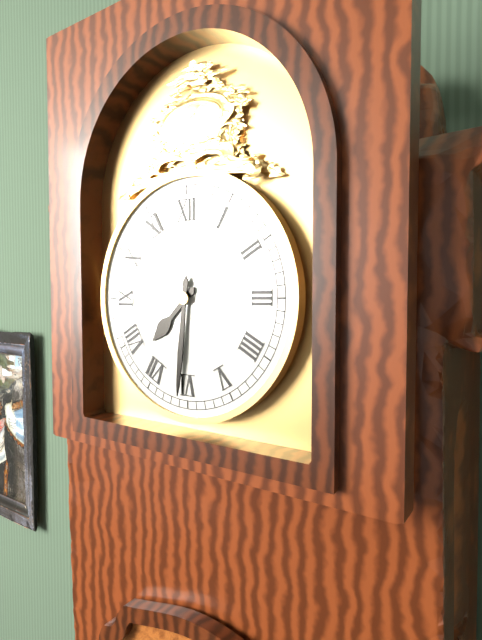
7:31
